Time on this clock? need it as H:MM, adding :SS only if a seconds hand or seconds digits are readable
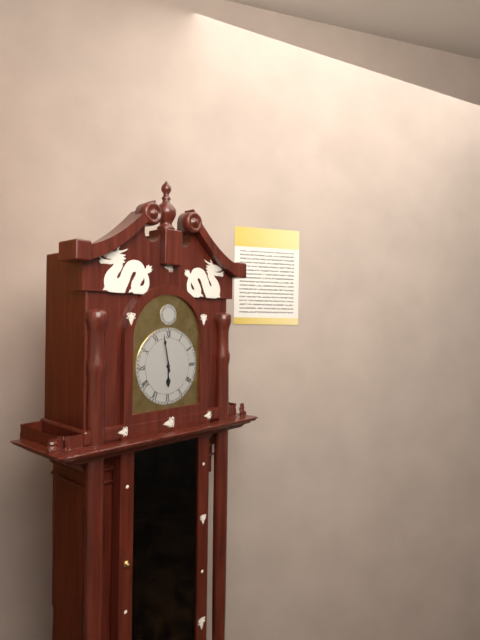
5:58
